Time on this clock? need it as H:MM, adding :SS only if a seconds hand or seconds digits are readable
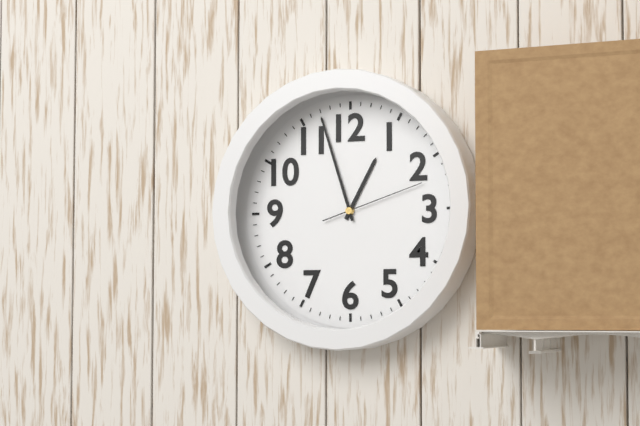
12:57:12
